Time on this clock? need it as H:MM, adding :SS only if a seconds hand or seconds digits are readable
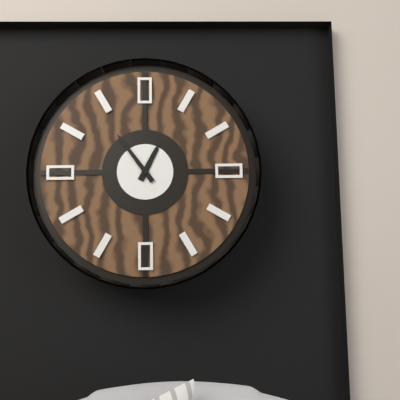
12:54
